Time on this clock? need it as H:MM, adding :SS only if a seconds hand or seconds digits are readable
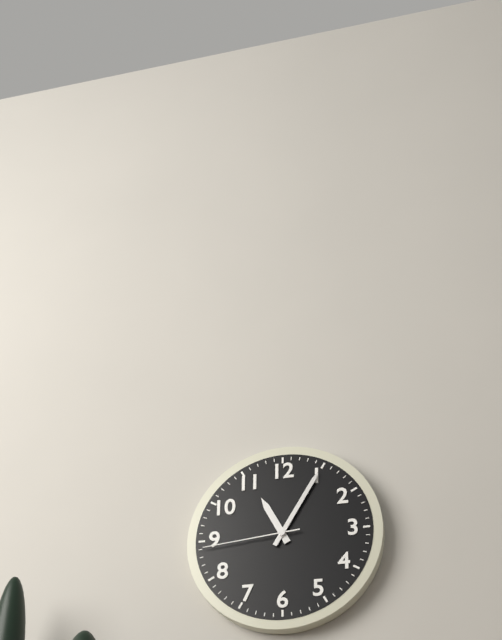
11:05:44
